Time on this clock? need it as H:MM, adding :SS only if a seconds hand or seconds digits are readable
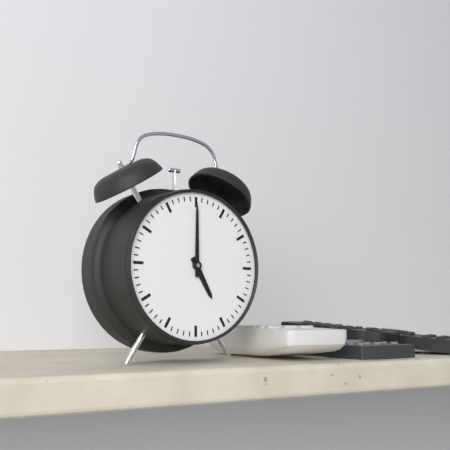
5:00
